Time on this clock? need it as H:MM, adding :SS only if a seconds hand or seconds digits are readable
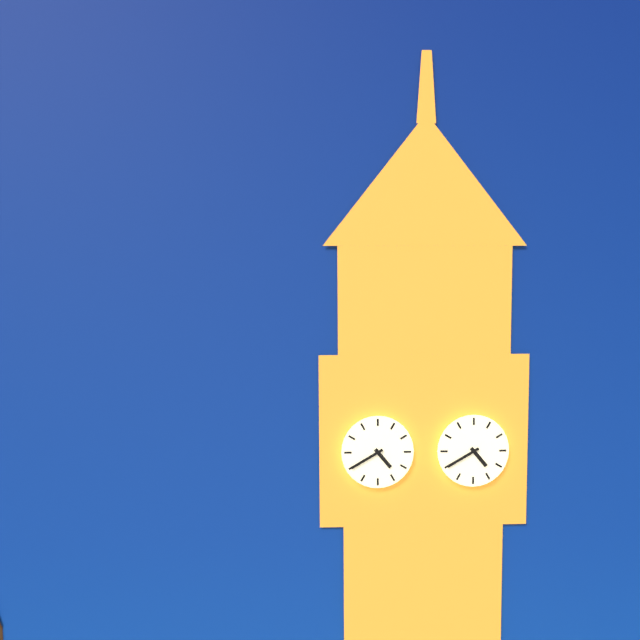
4:40
